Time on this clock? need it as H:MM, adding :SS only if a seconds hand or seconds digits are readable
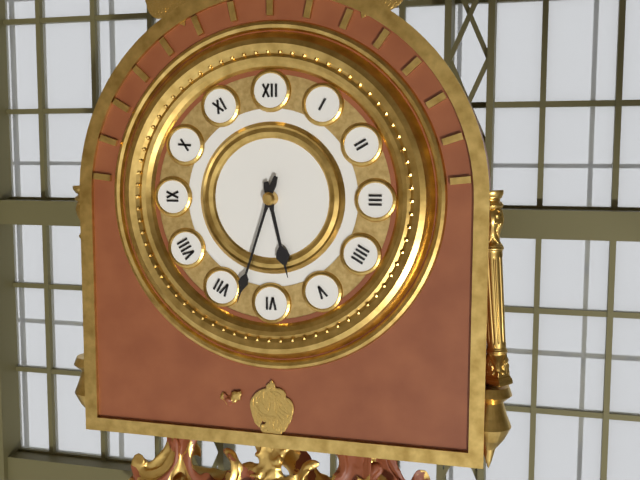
5:33
